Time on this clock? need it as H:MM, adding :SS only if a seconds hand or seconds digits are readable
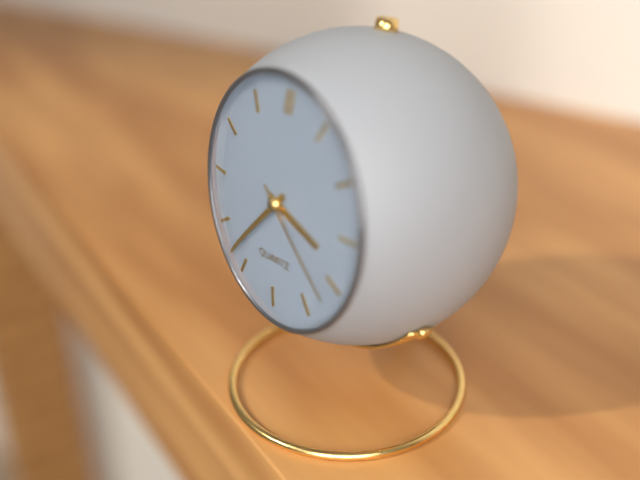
3:37:22
